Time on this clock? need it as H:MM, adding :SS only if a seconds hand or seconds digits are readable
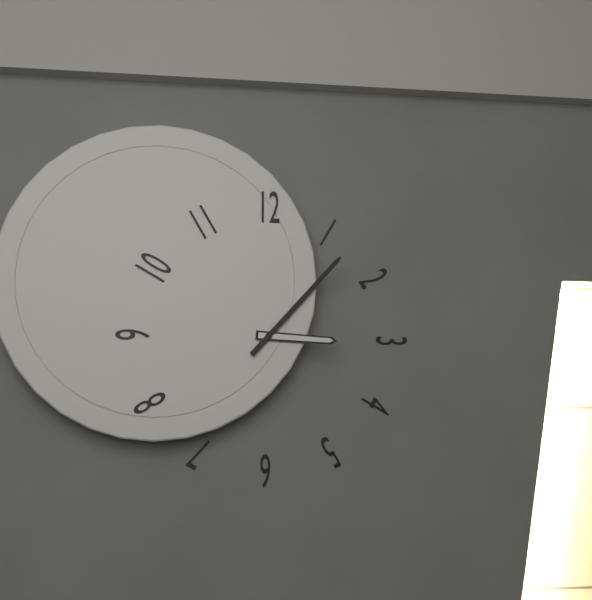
3:07
